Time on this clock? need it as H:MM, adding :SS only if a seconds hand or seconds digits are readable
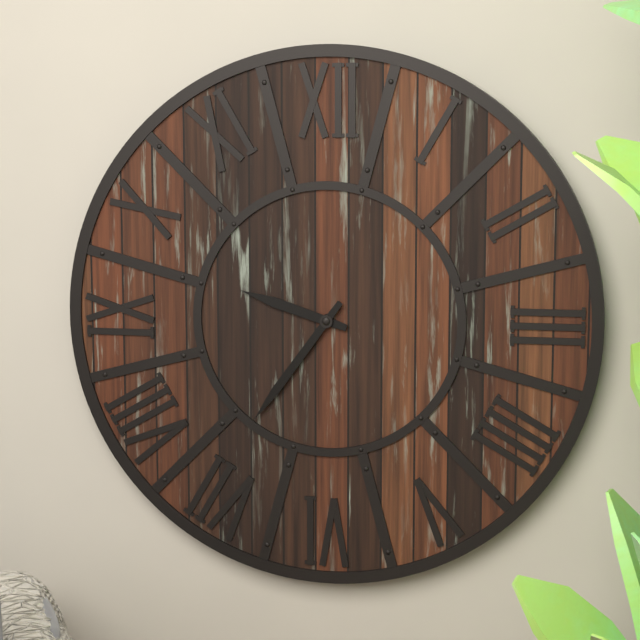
9:36
